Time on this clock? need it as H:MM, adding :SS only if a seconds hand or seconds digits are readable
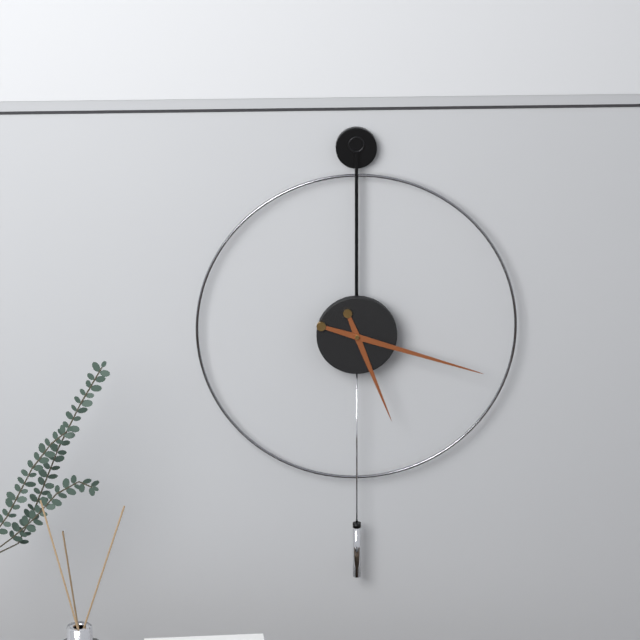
5:18
